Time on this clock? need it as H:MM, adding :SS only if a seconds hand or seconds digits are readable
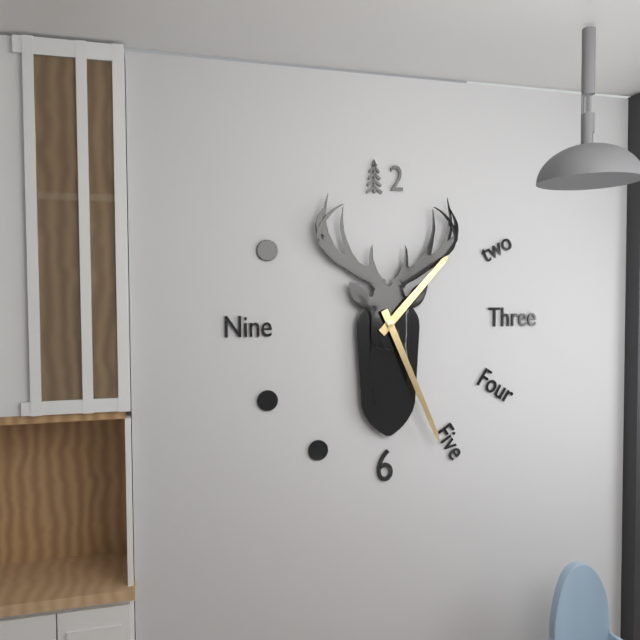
1:26
